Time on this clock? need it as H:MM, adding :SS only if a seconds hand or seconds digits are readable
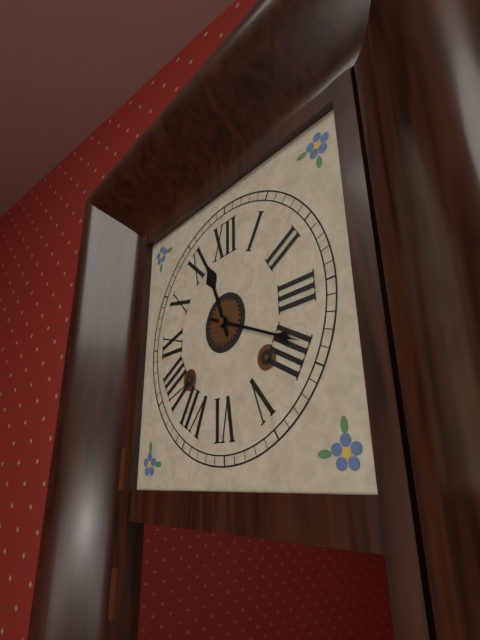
11:19
